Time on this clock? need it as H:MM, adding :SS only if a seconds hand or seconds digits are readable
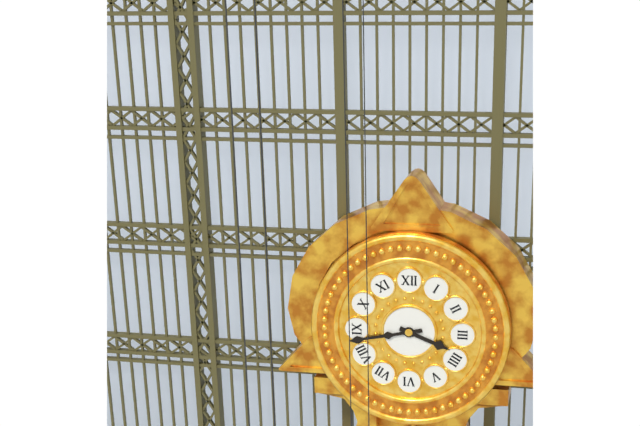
3:43
